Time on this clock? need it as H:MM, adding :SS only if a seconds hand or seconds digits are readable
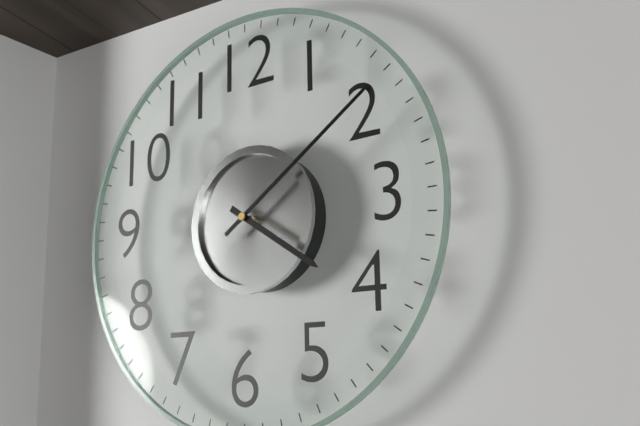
4:09
